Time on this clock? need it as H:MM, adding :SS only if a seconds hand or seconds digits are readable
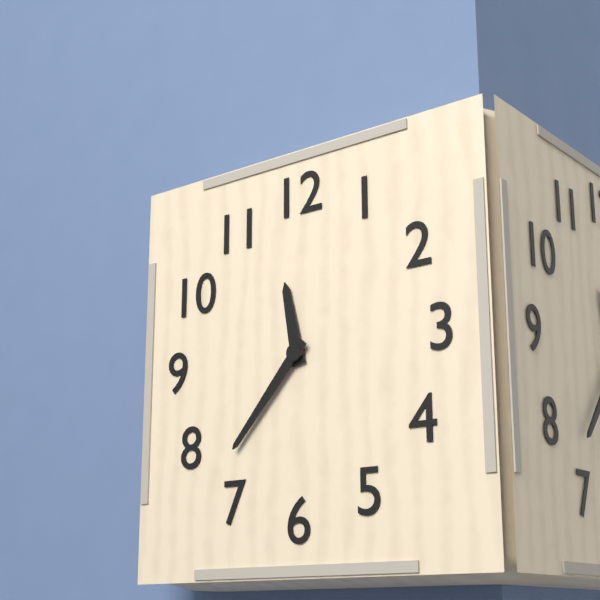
11:37
